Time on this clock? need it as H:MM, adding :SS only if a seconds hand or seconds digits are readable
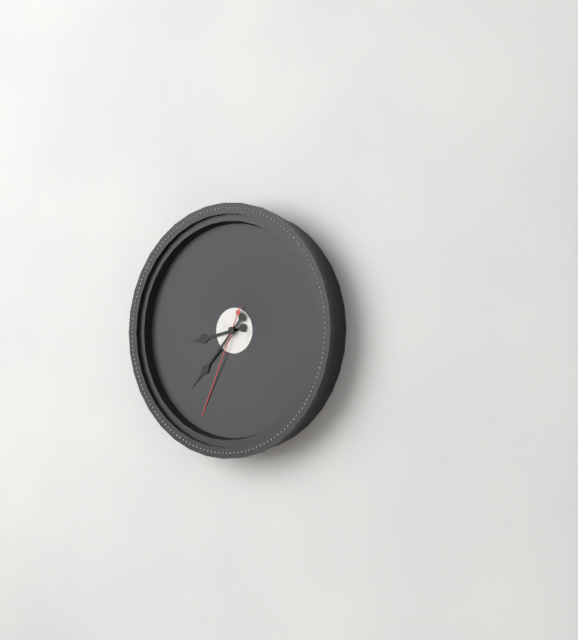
8:37:34
